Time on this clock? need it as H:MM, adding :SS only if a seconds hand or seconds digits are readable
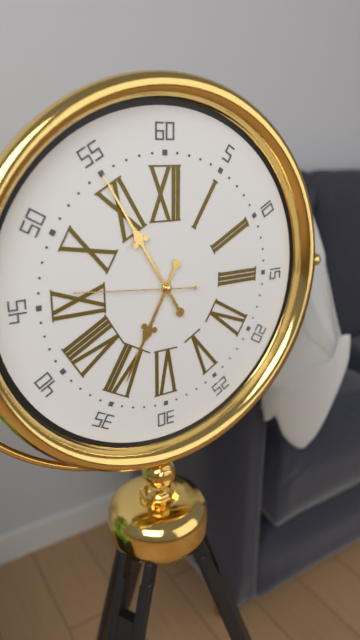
6:55:46
